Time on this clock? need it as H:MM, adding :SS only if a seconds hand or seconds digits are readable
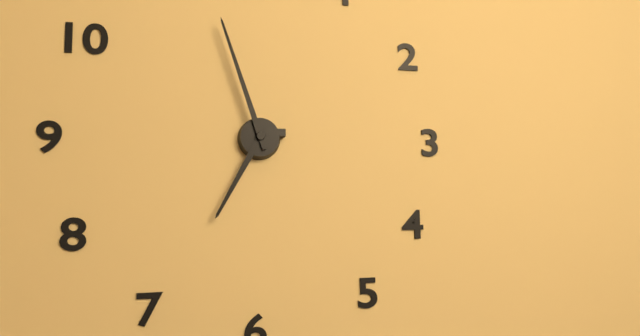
6:57
